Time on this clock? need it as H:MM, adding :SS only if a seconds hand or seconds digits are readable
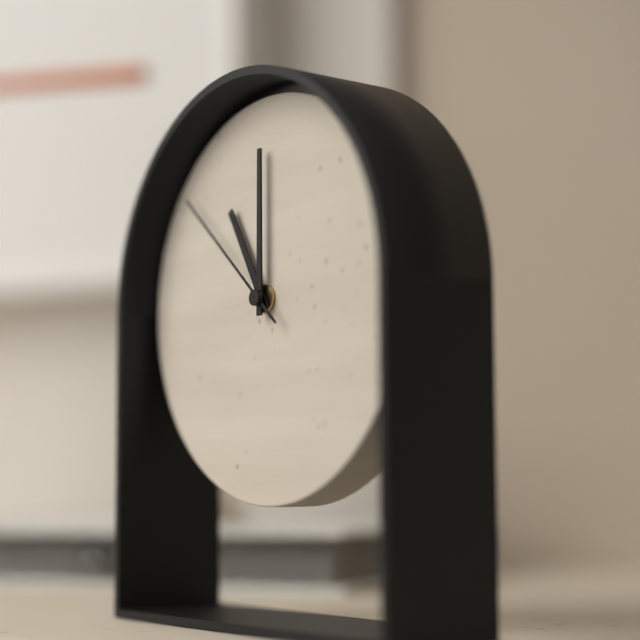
11:00:52
